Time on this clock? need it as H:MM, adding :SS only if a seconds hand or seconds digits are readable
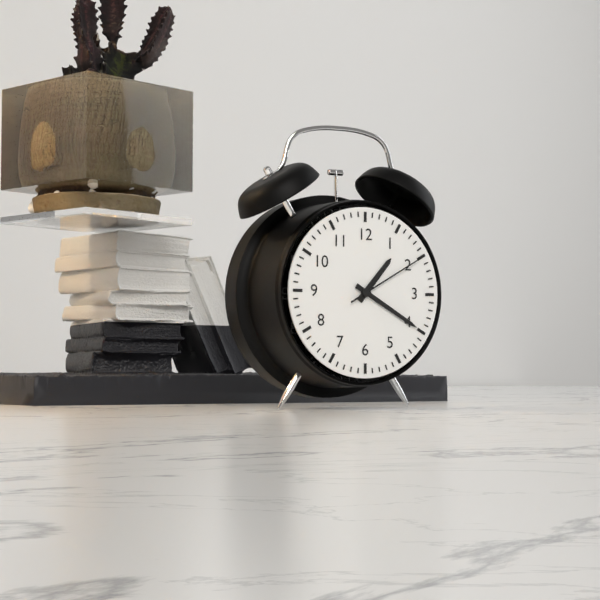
1:20:10
